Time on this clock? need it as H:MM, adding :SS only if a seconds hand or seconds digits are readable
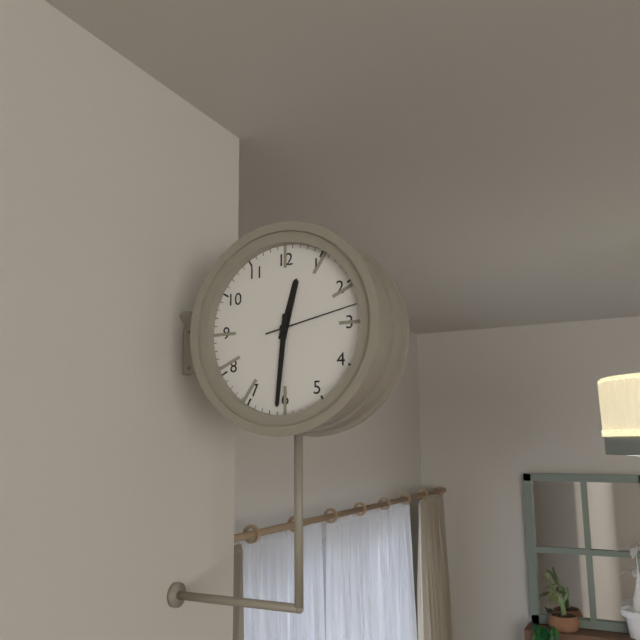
12:31:13
